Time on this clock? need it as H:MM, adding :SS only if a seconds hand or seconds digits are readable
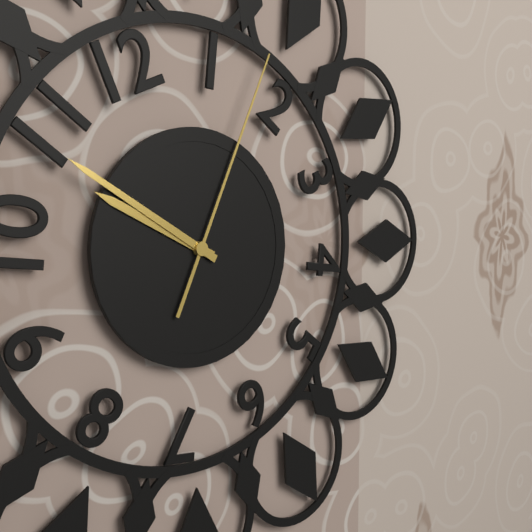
9:50:04
